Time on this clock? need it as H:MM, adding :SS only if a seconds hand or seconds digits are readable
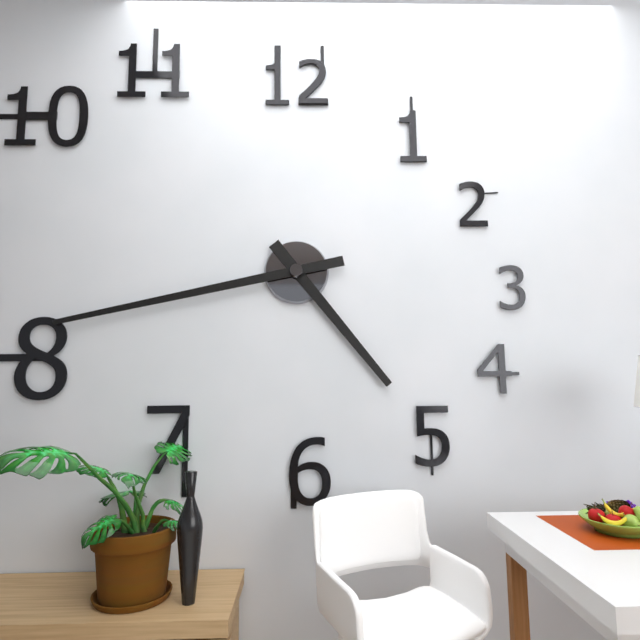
4:43
